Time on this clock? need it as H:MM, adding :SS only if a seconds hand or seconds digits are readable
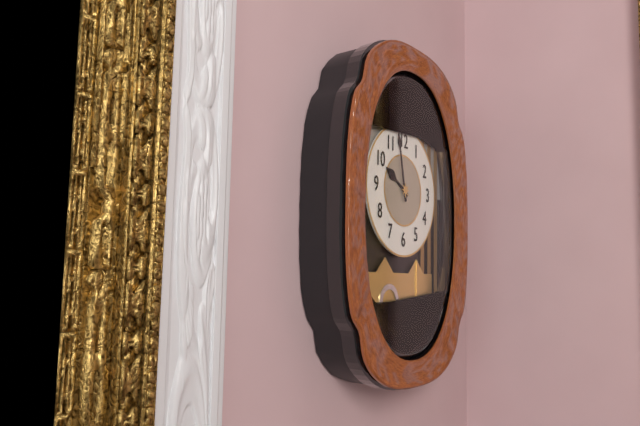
9:58
